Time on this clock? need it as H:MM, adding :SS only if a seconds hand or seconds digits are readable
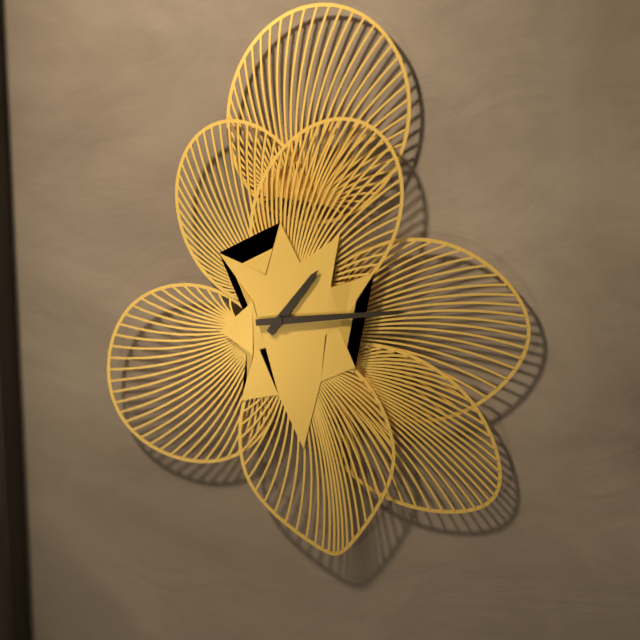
1:14
